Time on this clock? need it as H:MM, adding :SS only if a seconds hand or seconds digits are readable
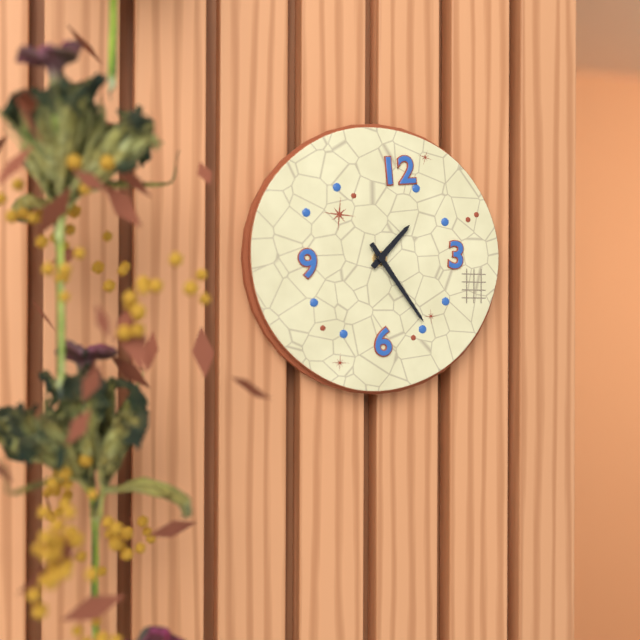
1:24
